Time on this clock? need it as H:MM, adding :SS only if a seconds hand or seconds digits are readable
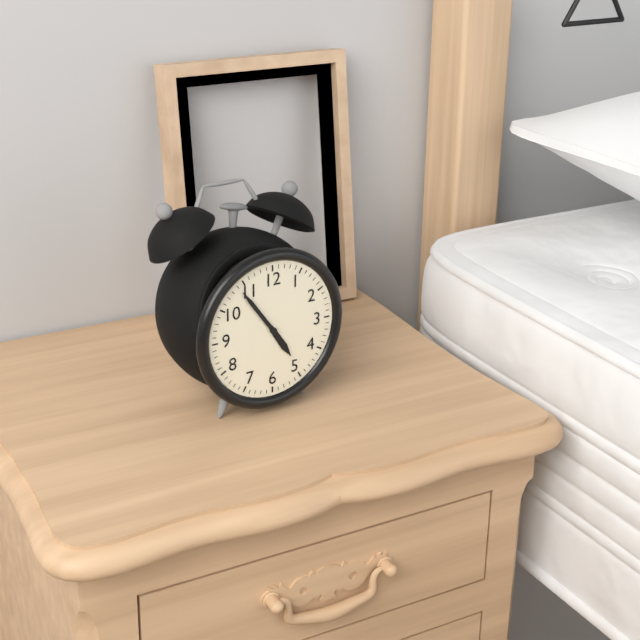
4:54
